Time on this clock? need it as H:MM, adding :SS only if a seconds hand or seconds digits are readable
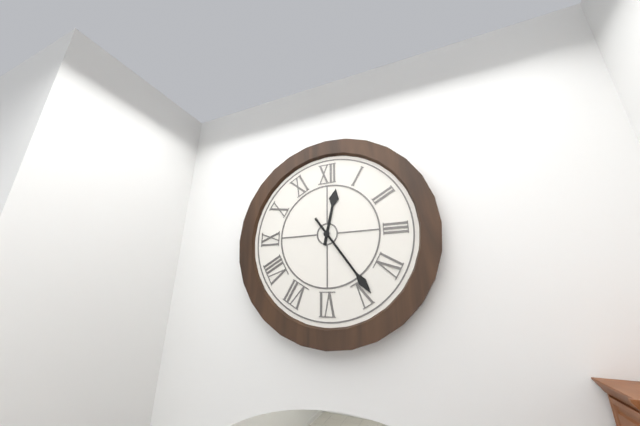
12:24
